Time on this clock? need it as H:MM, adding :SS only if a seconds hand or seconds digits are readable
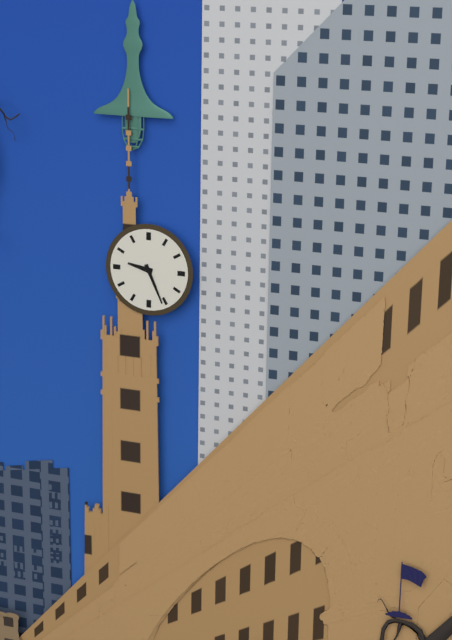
9:26
